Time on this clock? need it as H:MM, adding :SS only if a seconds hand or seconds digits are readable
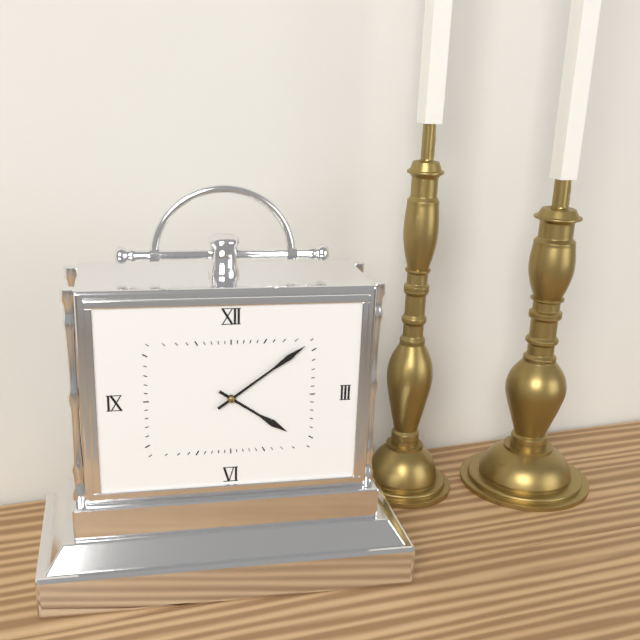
4:09
